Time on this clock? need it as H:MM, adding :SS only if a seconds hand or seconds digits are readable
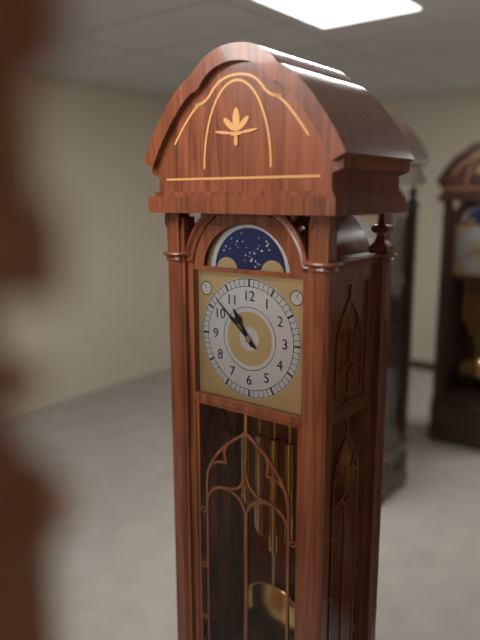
10:52
